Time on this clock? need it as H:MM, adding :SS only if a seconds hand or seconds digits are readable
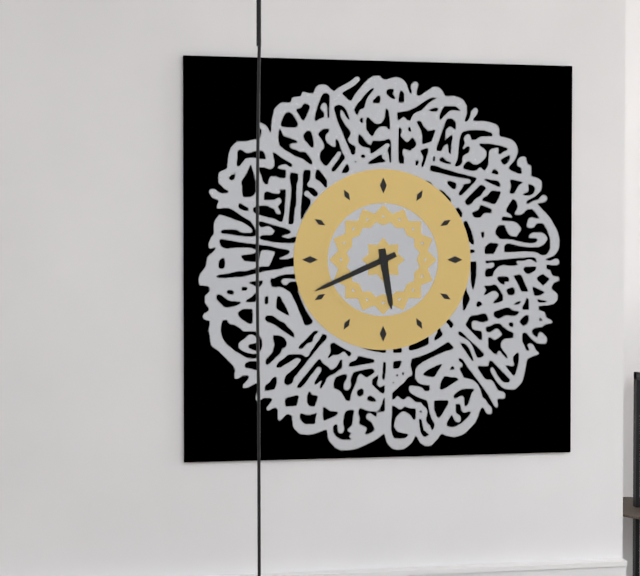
5:41
